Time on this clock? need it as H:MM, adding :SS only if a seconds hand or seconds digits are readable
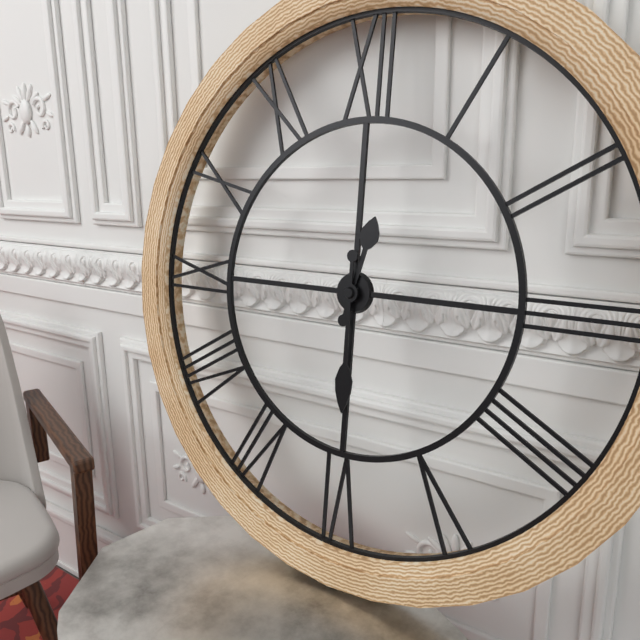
12:30
